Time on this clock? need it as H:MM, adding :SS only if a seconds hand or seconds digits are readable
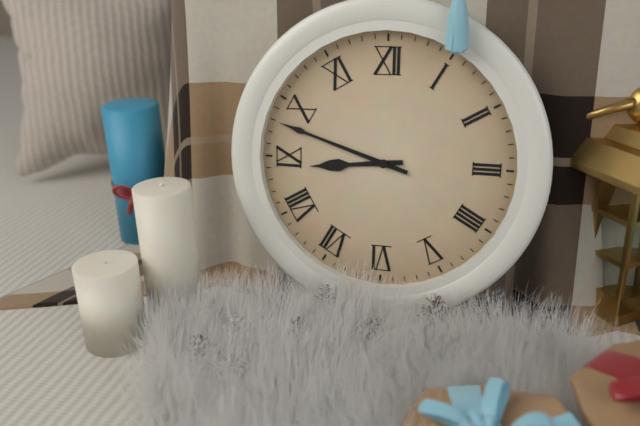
8:48
